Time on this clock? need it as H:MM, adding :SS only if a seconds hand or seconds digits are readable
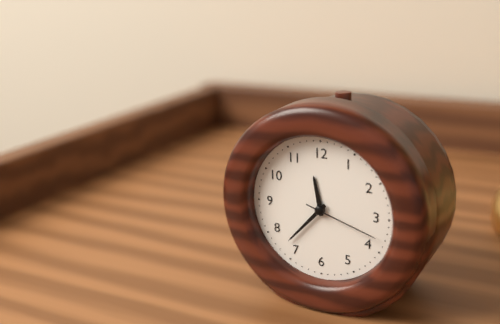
11:37:18
